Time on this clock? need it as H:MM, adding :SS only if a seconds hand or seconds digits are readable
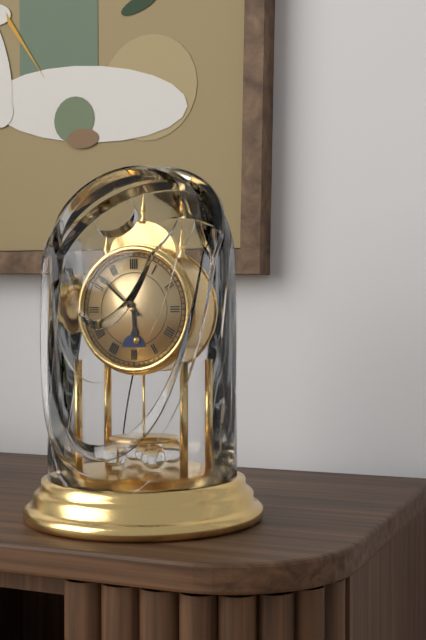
5:52
